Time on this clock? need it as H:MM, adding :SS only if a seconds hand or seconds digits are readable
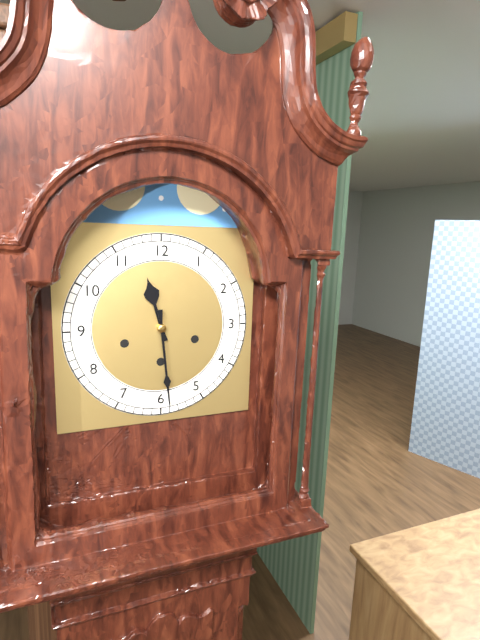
11:29
